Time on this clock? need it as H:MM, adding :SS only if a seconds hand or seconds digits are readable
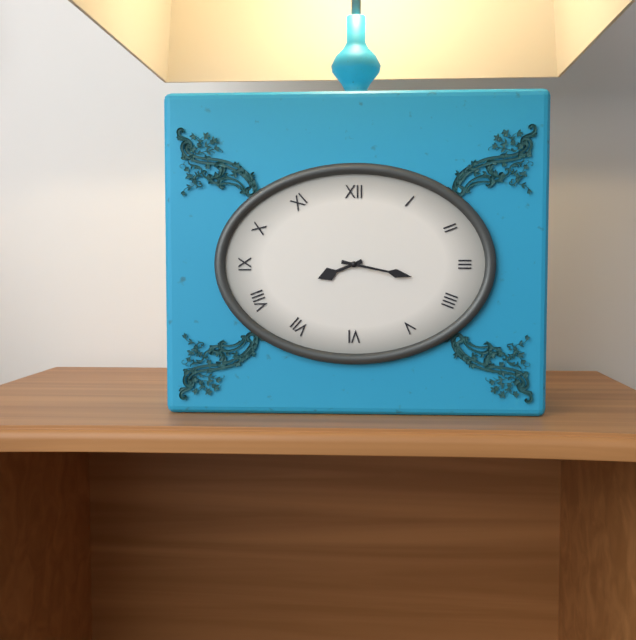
8:17
